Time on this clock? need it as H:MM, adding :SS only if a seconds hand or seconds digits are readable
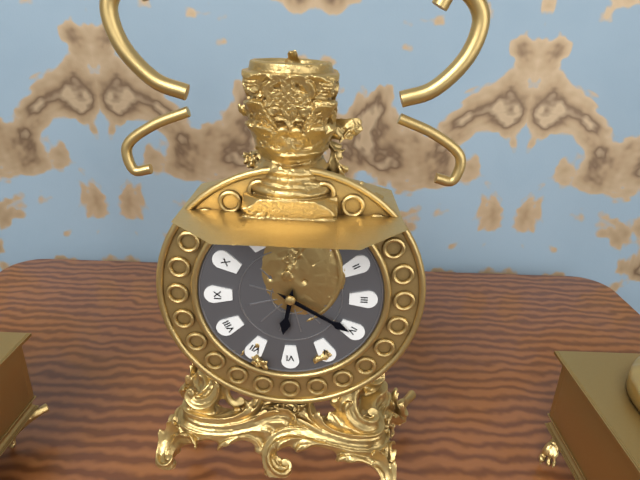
6:20
